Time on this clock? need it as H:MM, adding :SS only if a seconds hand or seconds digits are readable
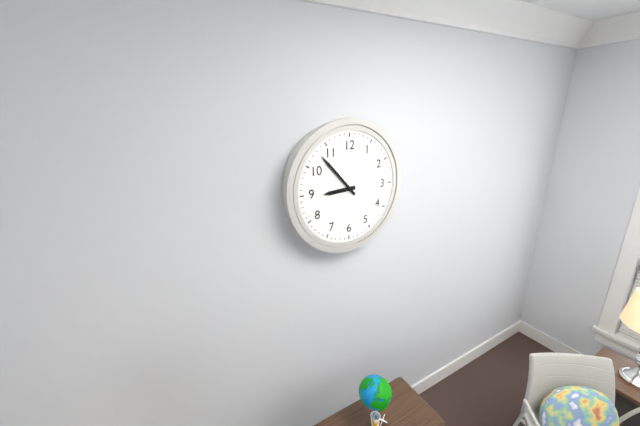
8:53
